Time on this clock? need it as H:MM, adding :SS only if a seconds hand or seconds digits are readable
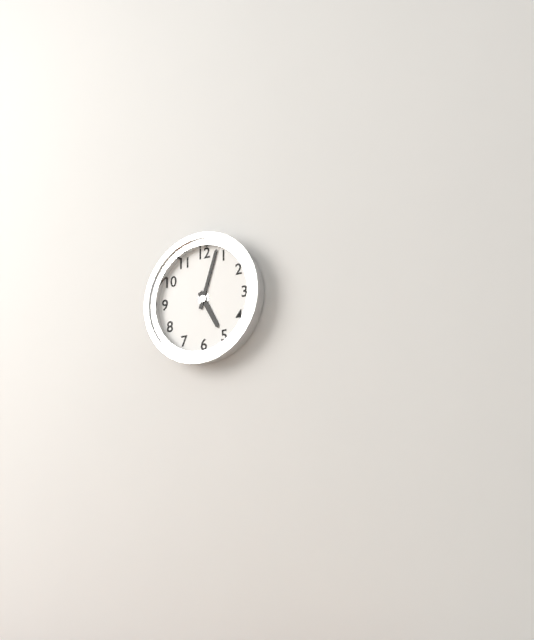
5:03
